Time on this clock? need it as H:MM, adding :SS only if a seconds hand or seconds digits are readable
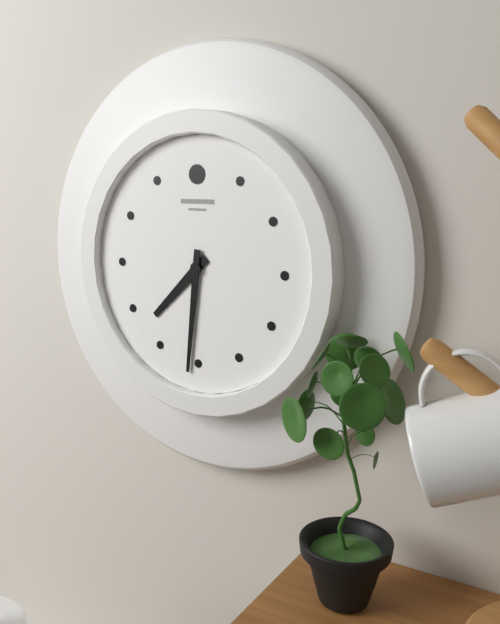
7:31
